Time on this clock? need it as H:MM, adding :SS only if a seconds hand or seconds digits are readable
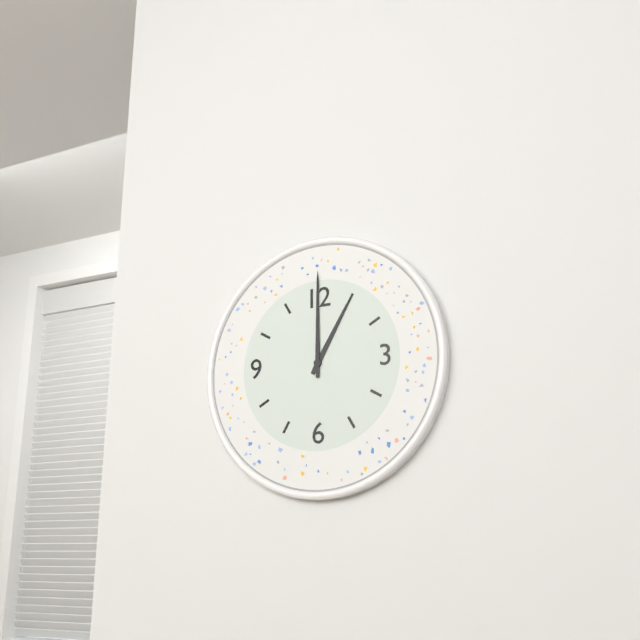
1:00
